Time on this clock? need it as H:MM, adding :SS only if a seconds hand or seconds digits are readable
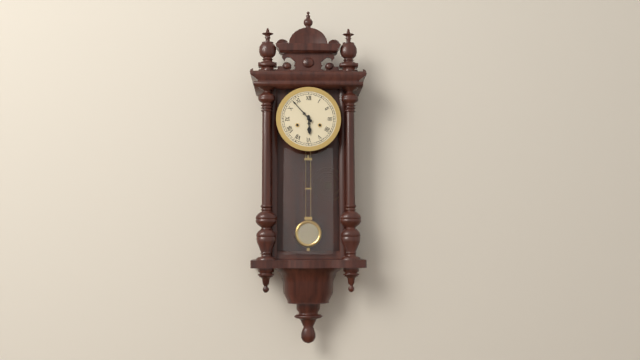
5:53
